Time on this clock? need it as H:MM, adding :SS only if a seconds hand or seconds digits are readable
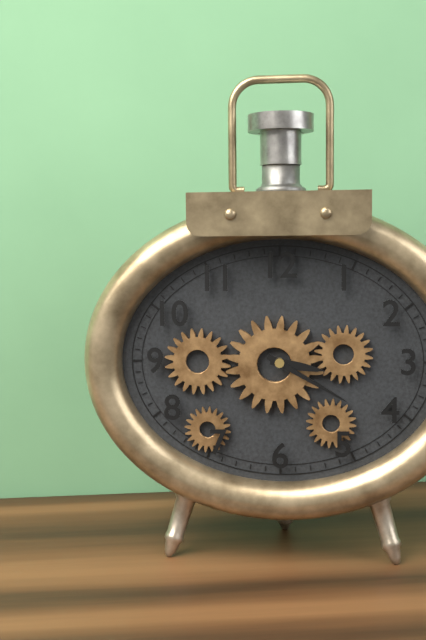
3:20
